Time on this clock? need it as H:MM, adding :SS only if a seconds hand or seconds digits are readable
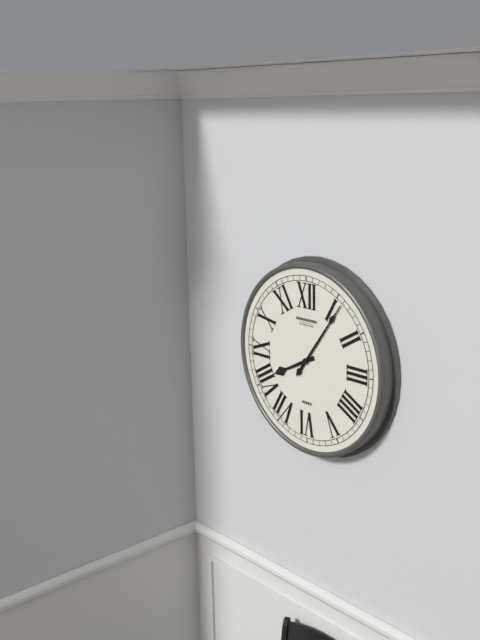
8:06
